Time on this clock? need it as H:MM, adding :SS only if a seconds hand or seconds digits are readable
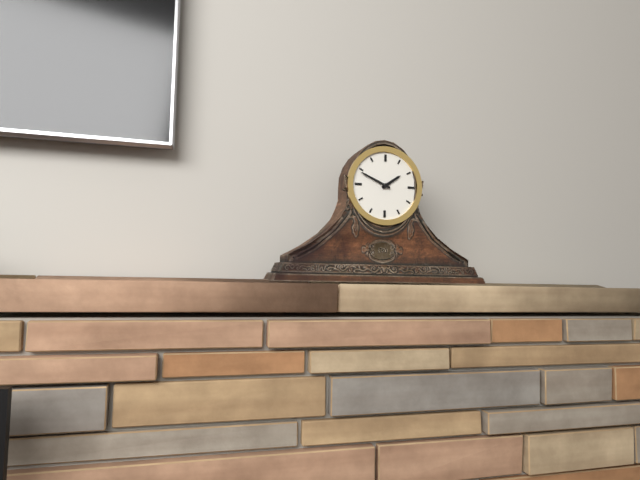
1:49
